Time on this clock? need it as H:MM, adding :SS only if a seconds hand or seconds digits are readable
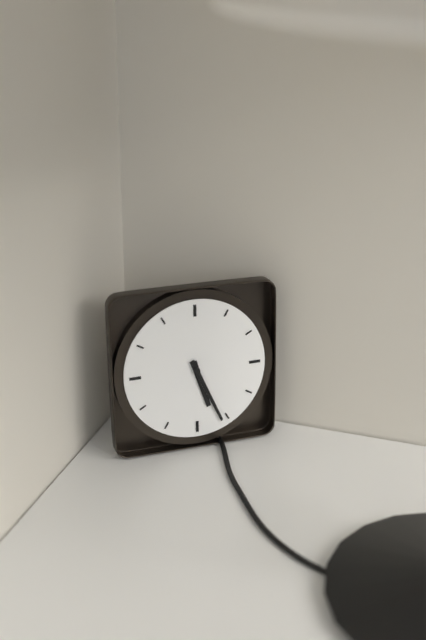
5:26
